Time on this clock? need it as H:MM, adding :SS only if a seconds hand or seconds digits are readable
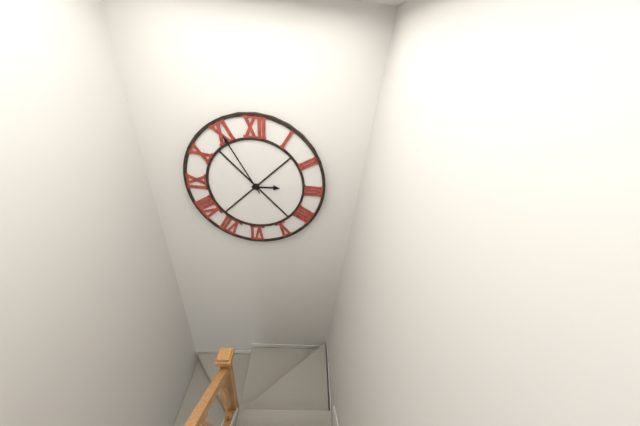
2:55
